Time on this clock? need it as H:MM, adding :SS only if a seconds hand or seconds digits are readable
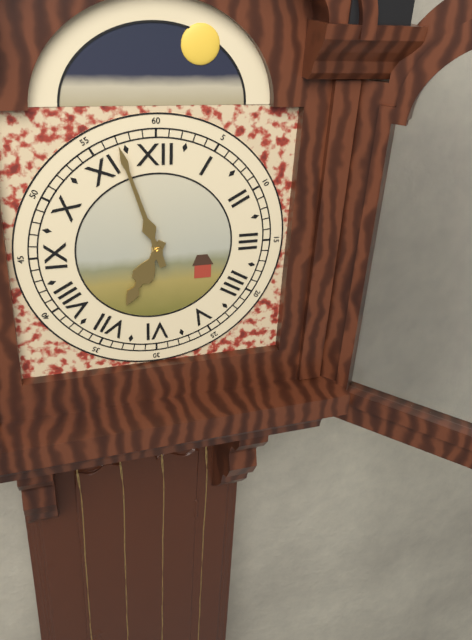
6:57
